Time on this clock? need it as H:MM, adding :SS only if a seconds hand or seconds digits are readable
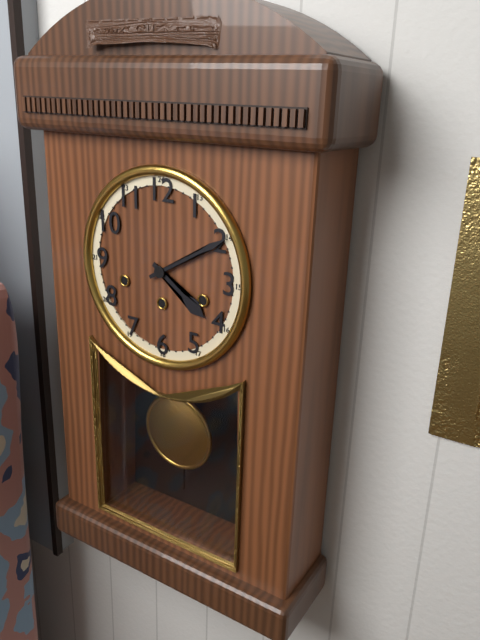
4:10
